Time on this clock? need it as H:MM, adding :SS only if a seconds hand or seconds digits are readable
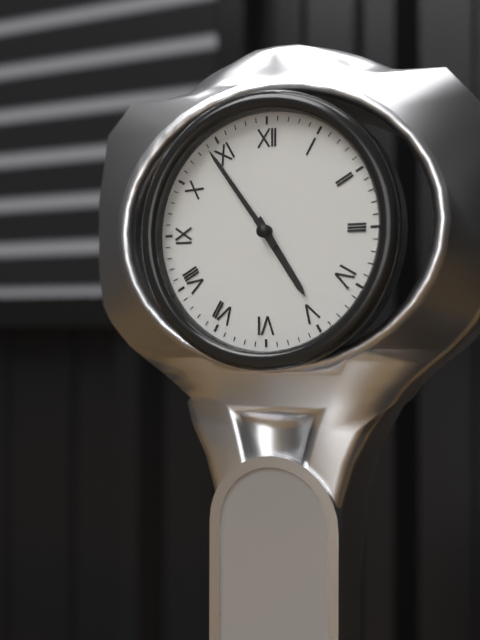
4:54
